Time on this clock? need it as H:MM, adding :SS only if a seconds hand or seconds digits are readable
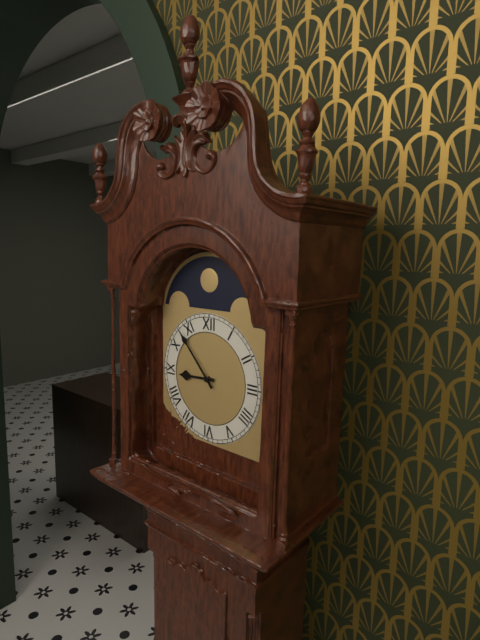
8:53
